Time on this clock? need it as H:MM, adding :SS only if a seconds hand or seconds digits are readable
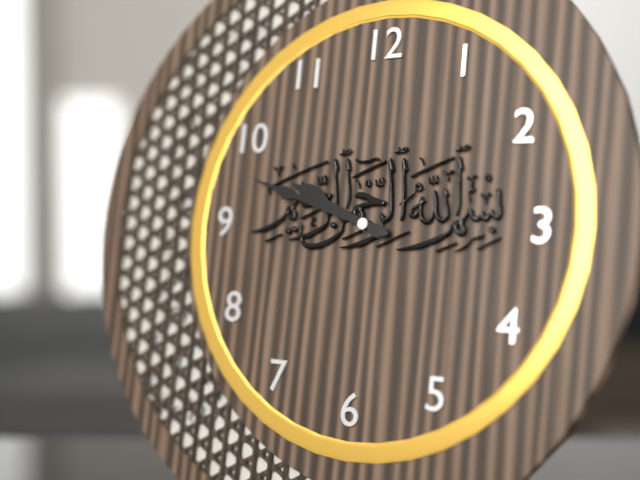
9:48
